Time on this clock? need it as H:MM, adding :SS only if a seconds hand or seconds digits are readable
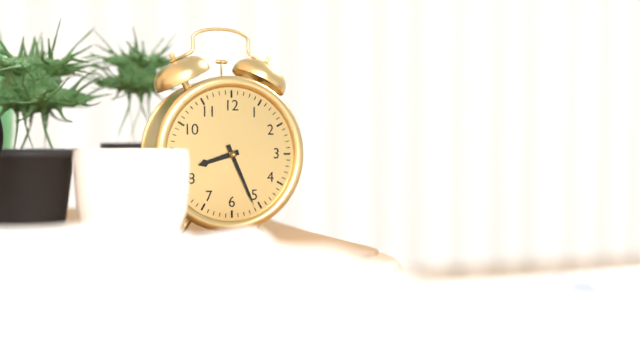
8:26
